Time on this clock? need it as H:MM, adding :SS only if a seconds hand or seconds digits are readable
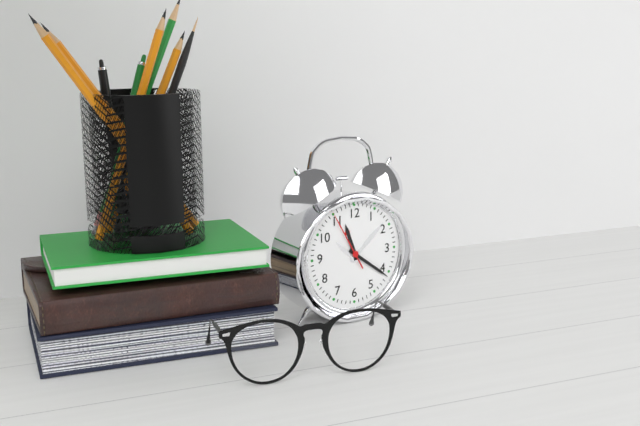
11:21:55
